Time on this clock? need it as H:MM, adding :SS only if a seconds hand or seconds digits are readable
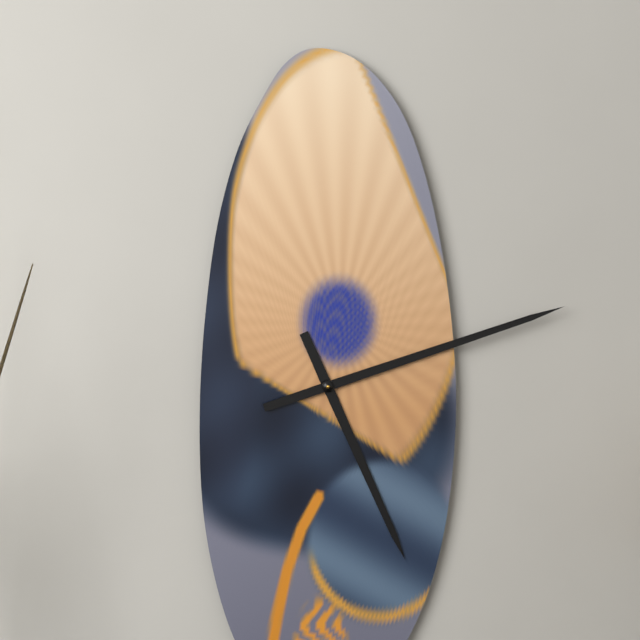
5:12
